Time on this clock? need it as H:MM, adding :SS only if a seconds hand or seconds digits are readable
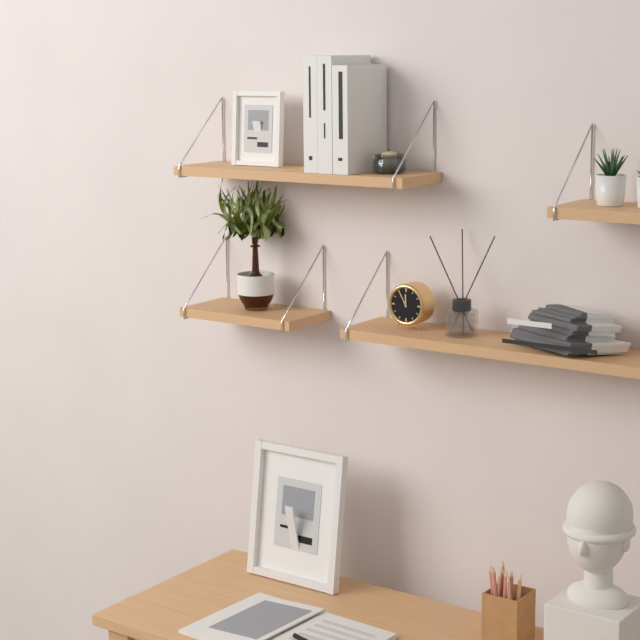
11:55
